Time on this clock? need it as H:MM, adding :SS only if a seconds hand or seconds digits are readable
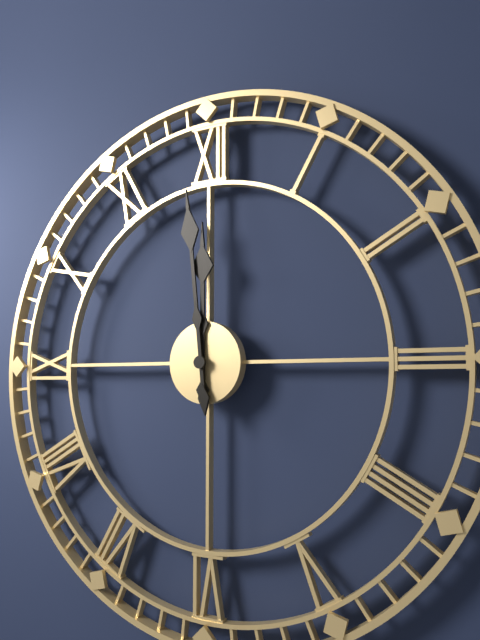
11:59
